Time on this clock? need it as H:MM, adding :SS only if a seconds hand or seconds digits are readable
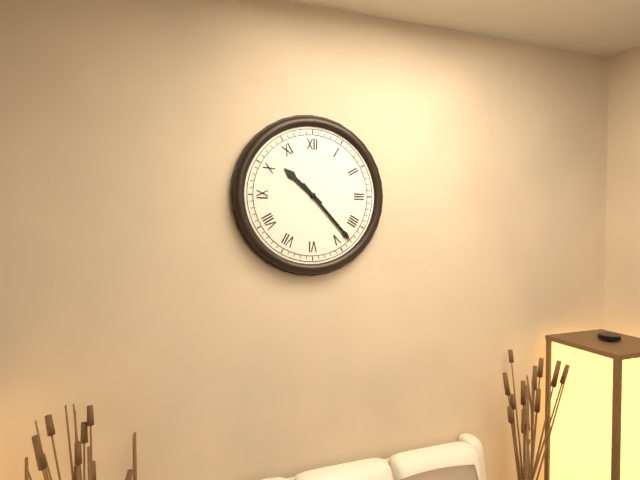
10:23
